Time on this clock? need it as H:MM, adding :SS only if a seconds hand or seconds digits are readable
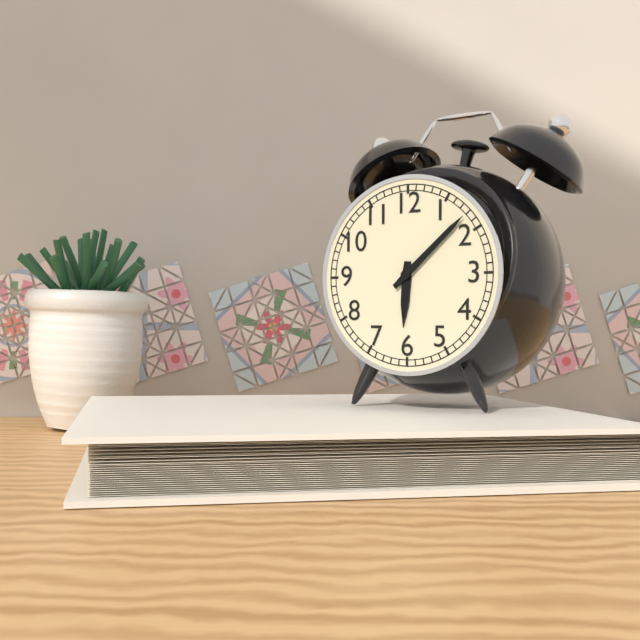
6:08
